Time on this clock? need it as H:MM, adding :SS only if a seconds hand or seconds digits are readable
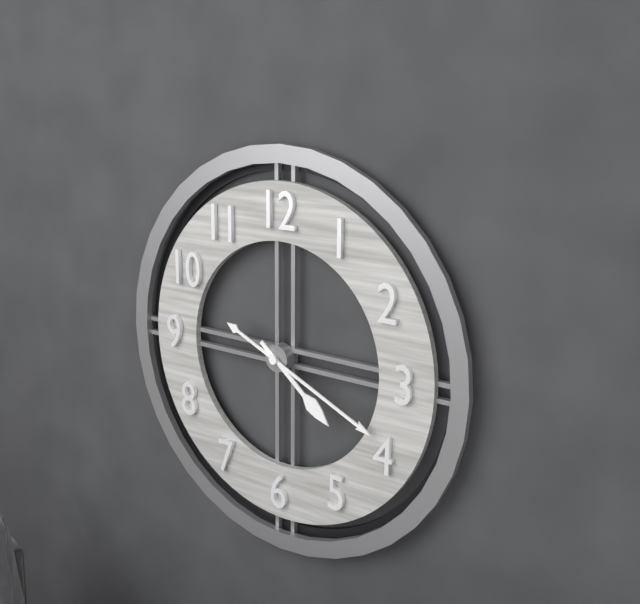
4:19
